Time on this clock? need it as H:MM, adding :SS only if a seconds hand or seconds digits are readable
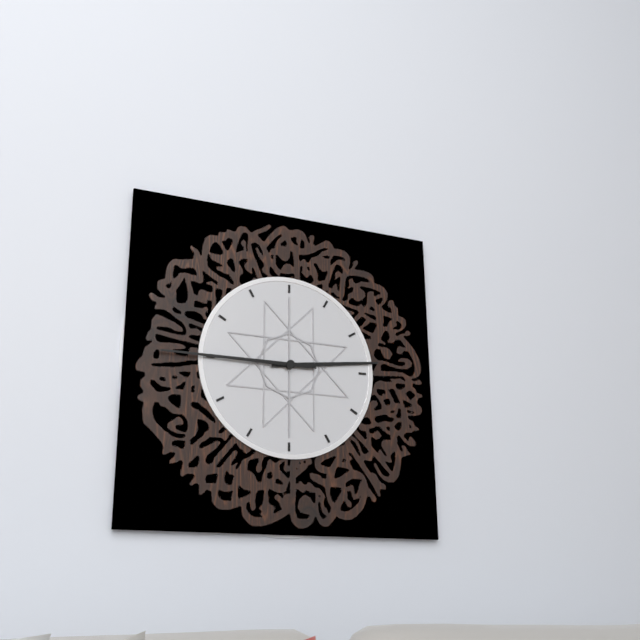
2:45
